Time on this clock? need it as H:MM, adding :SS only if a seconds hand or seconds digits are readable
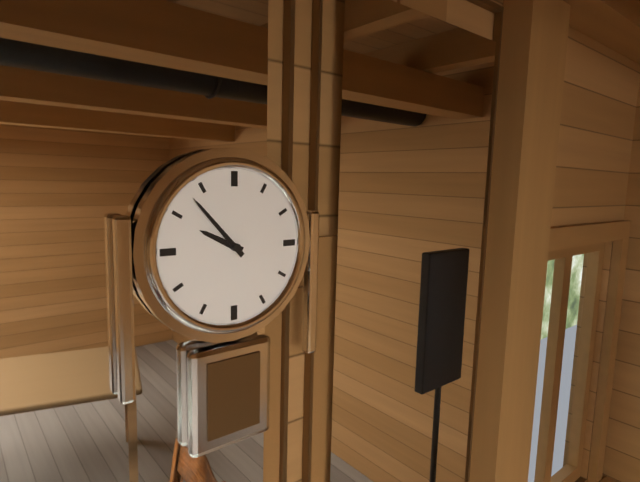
9:53
